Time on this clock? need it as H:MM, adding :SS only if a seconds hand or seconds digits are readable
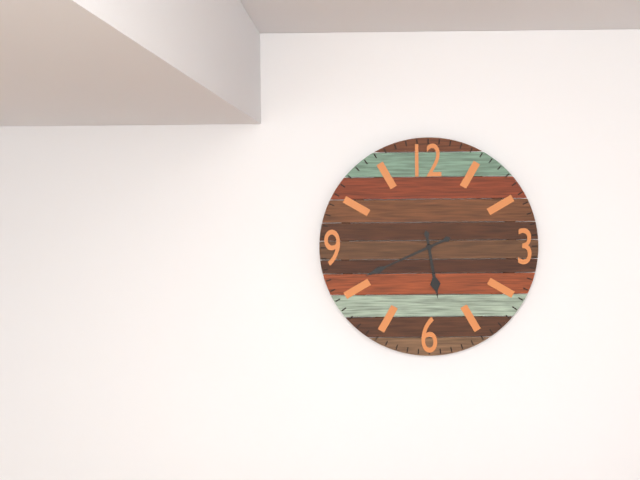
5:41
